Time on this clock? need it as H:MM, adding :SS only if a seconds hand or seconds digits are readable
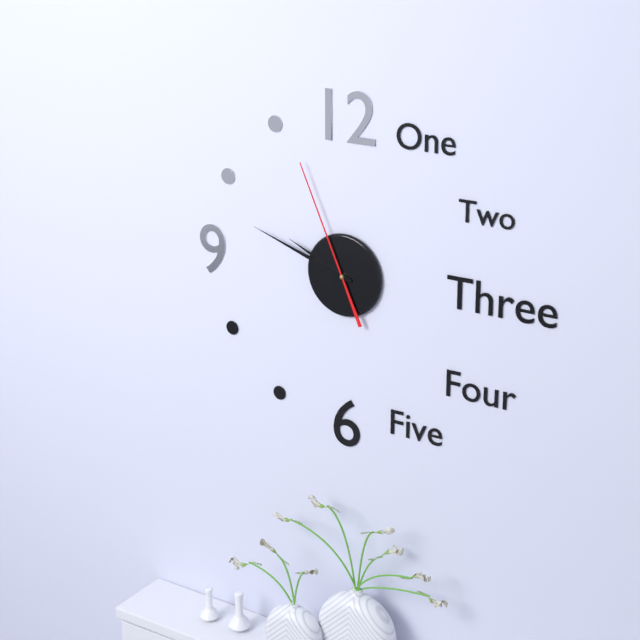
9:48:56
